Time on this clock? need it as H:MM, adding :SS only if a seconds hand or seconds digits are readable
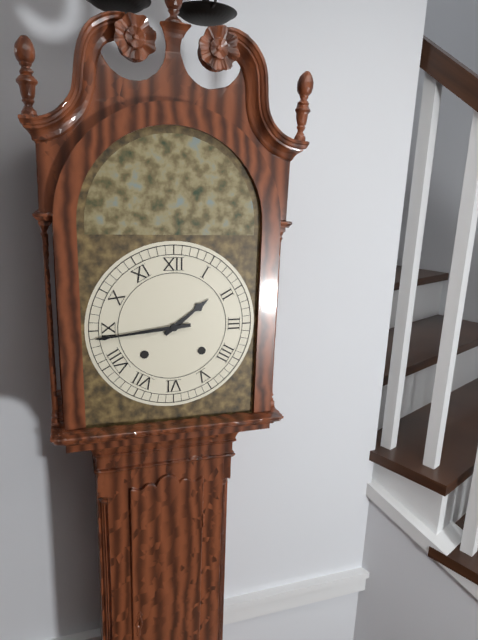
1:44
